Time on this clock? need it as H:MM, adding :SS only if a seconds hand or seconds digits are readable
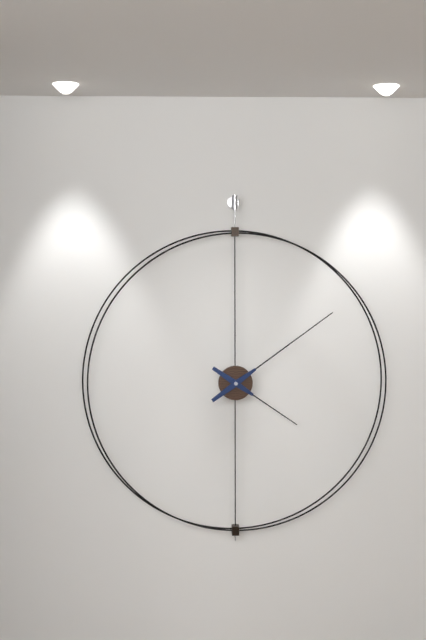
4:09
